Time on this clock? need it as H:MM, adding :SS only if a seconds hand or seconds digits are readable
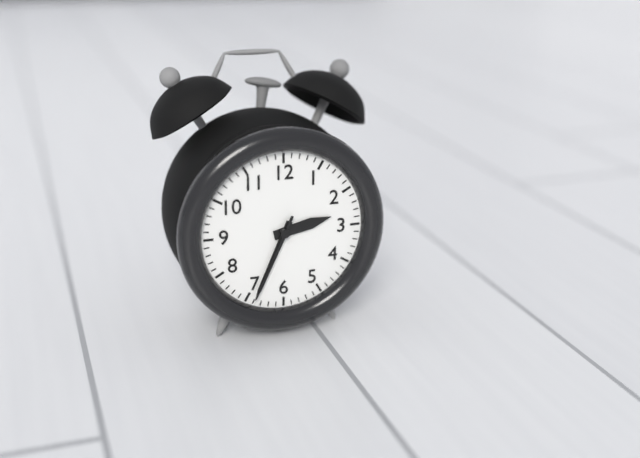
2:34:34
